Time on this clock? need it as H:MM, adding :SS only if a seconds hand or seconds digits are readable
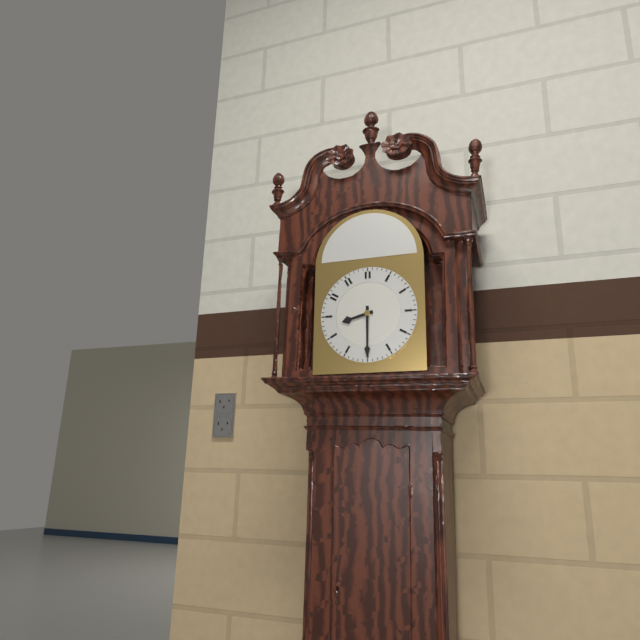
8:30
